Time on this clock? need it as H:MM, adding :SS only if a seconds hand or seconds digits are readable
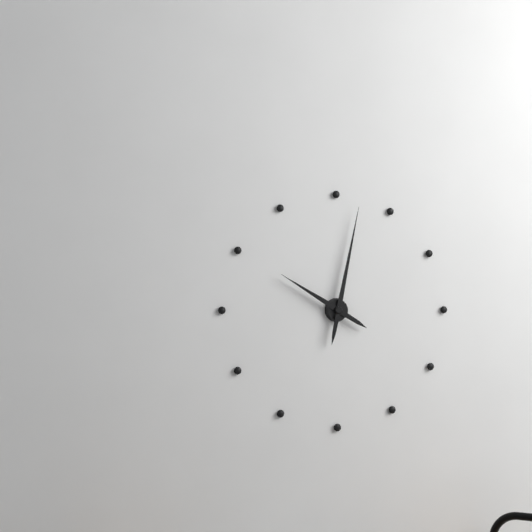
10:02
